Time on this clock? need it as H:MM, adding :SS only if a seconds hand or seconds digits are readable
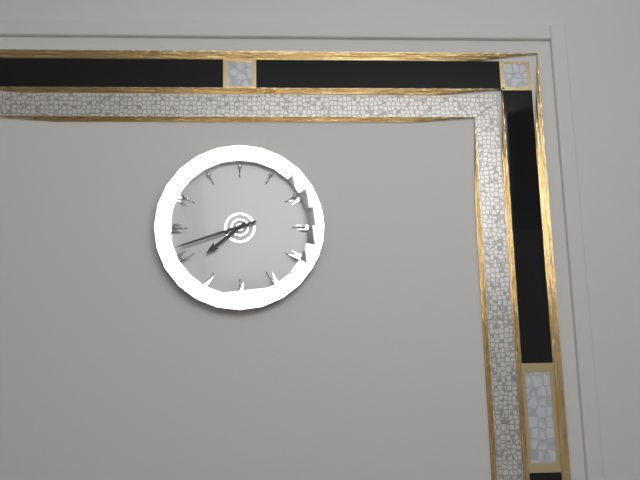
7:42
